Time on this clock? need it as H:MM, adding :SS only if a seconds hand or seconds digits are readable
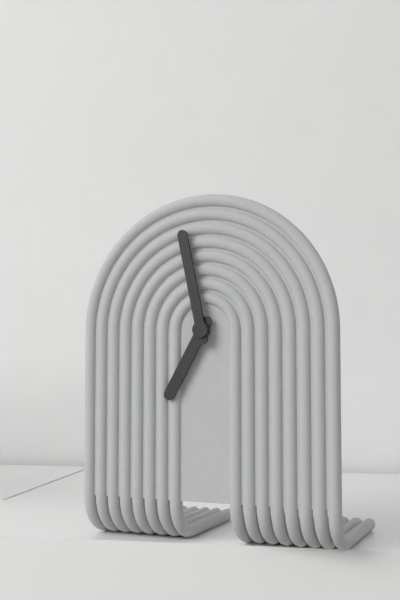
6:58
